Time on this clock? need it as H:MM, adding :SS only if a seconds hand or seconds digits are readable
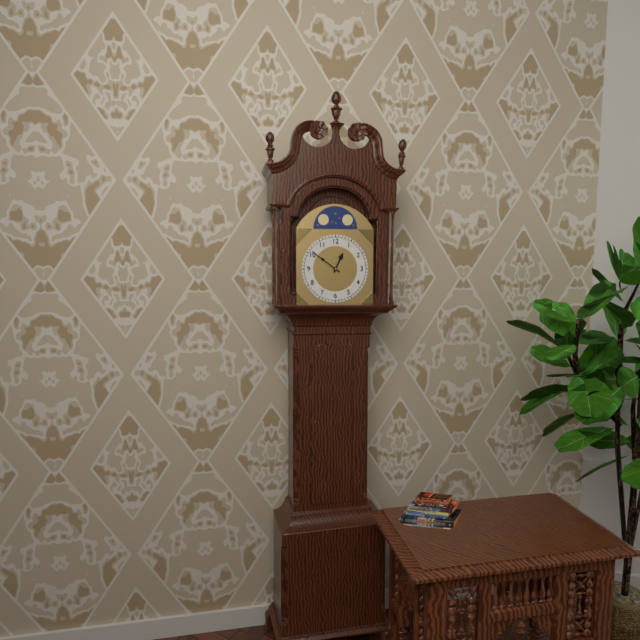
12:51
